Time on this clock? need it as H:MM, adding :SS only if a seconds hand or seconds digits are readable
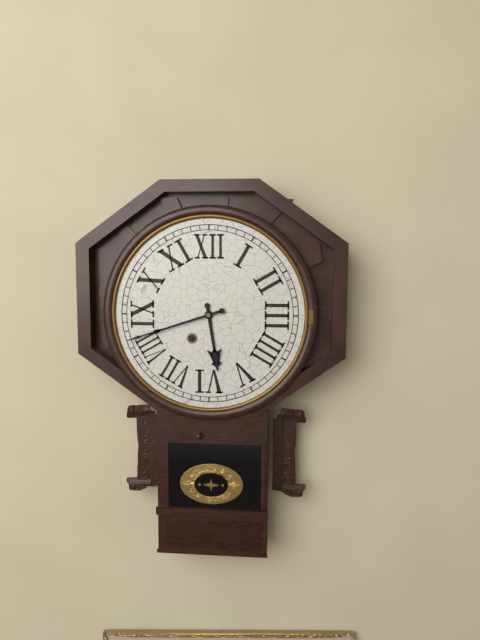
5:42
